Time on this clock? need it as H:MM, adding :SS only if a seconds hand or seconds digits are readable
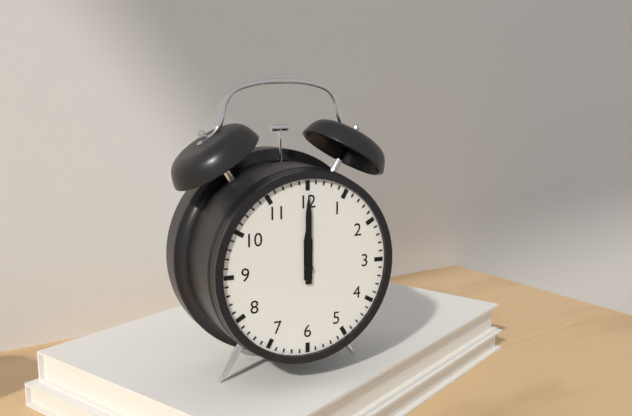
12:00
